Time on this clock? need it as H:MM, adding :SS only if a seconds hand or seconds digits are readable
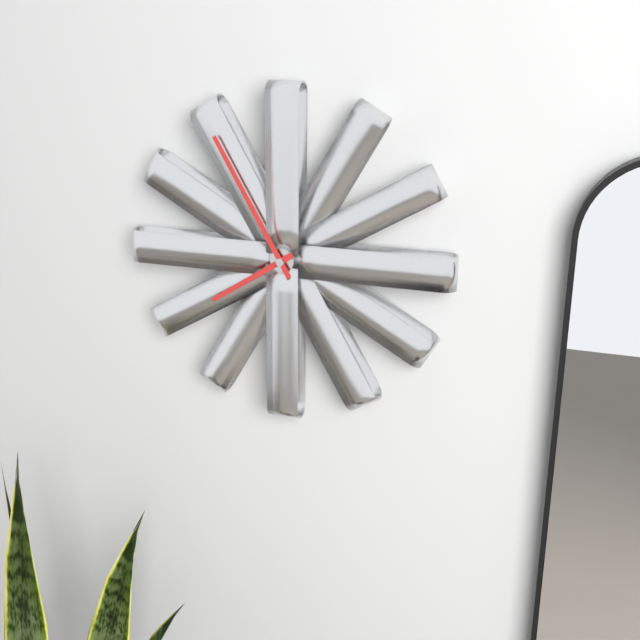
7:55
